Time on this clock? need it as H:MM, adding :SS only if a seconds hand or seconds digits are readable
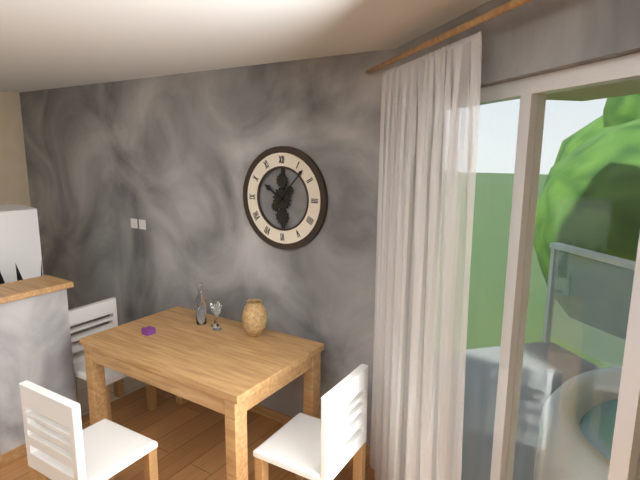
10:07
